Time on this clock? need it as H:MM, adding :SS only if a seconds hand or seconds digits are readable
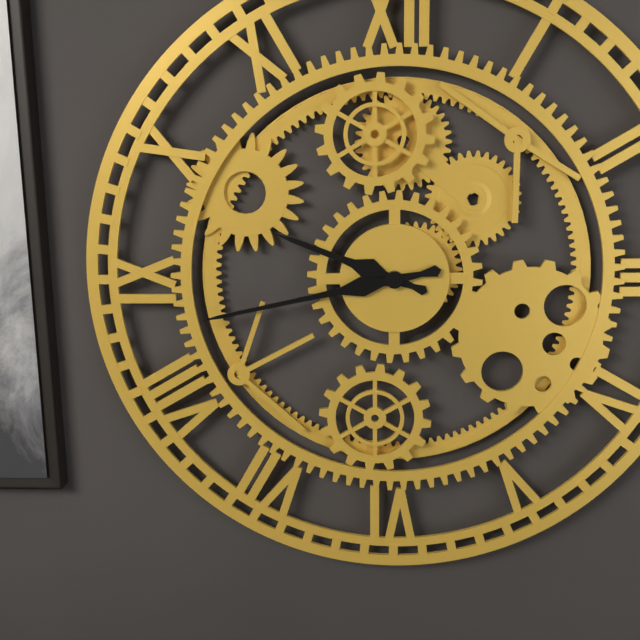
9:43
